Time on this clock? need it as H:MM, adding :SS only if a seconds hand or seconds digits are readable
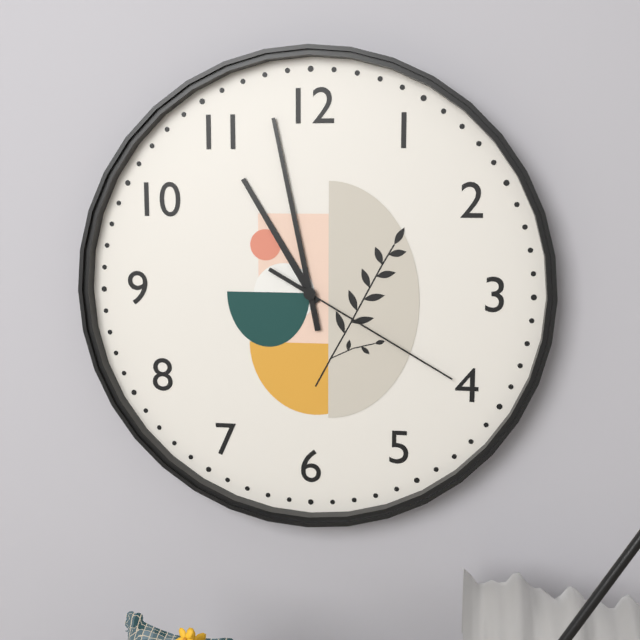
10:58:20
